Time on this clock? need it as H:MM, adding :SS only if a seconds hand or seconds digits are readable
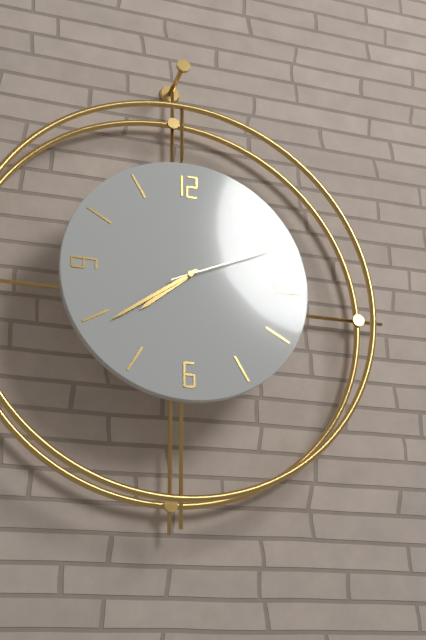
7:39:11
